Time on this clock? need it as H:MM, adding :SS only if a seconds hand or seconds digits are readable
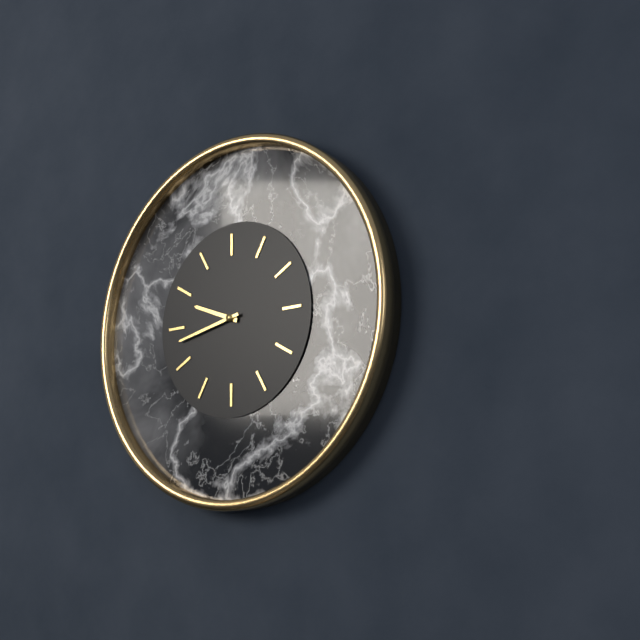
9:43
